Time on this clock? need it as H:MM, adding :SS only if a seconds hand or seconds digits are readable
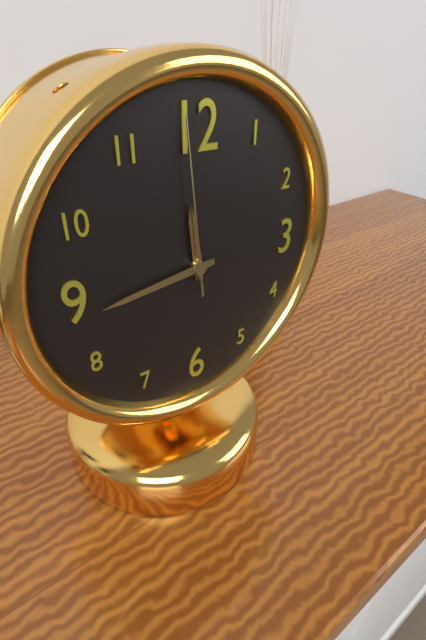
11:44:59
